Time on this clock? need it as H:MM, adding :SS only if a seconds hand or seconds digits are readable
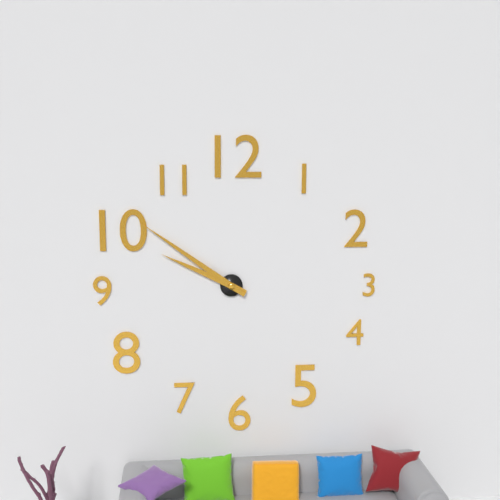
9:51
